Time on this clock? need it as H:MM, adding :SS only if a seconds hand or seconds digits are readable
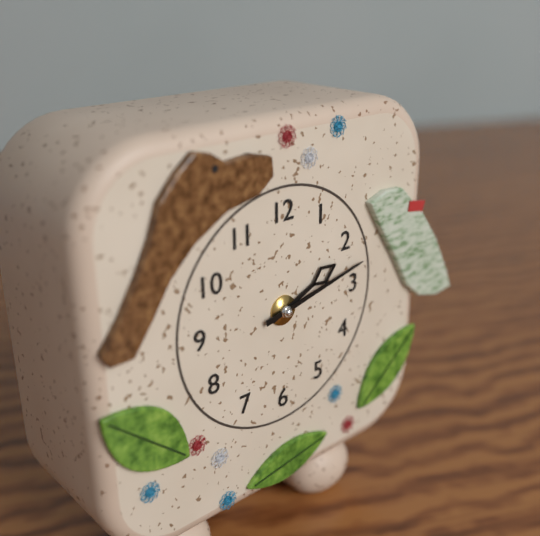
2:13
